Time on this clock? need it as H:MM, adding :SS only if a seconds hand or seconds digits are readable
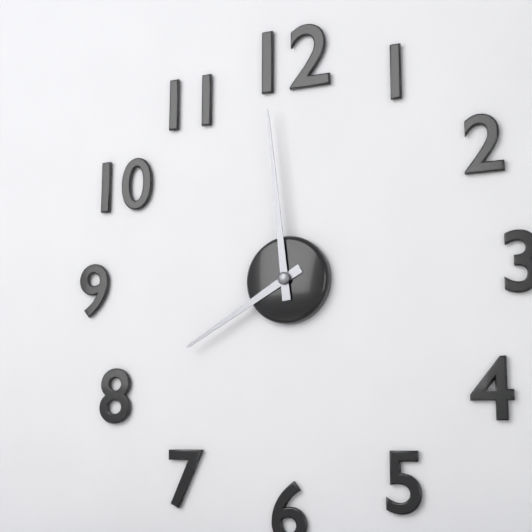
7:59
